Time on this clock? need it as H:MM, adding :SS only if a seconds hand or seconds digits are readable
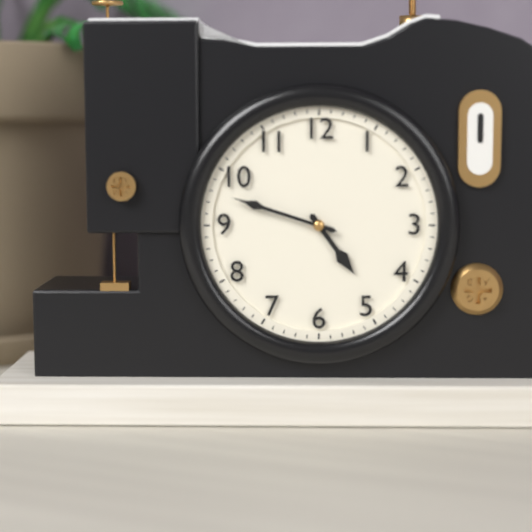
4:48
